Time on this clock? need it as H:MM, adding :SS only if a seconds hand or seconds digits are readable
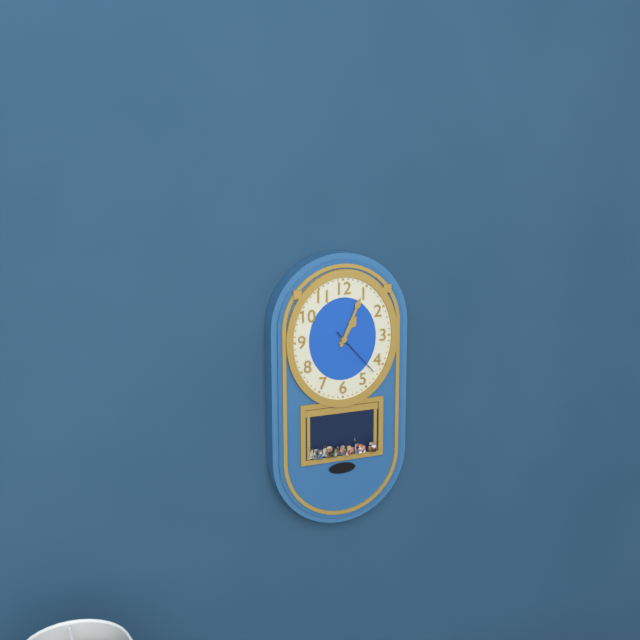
1:04:23
